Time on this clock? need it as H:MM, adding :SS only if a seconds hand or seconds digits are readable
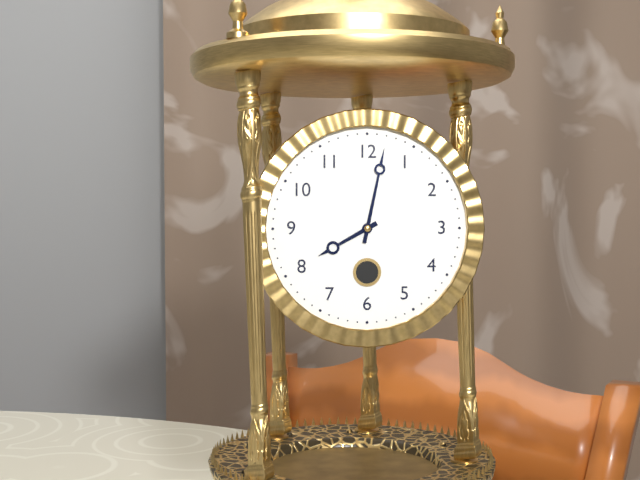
8:02
